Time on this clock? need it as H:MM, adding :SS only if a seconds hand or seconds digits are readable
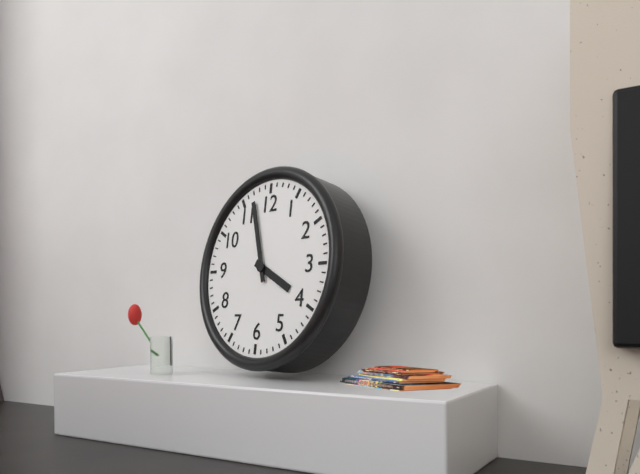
3:57
